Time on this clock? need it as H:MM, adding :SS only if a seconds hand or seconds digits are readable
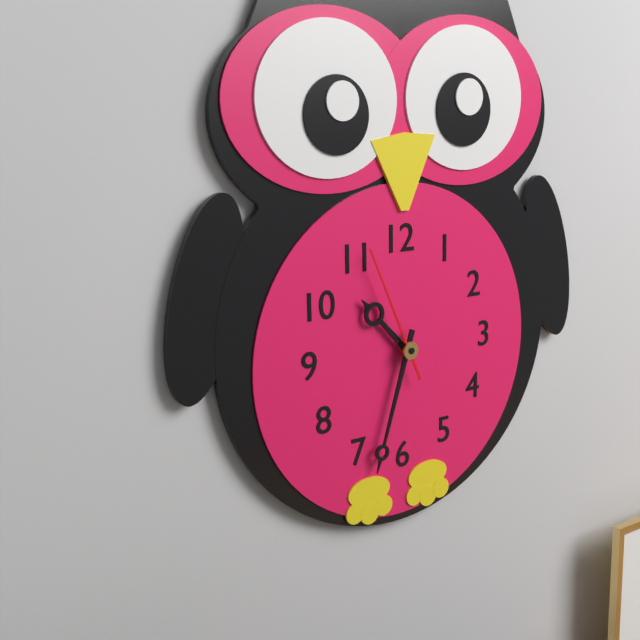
10:33:56
